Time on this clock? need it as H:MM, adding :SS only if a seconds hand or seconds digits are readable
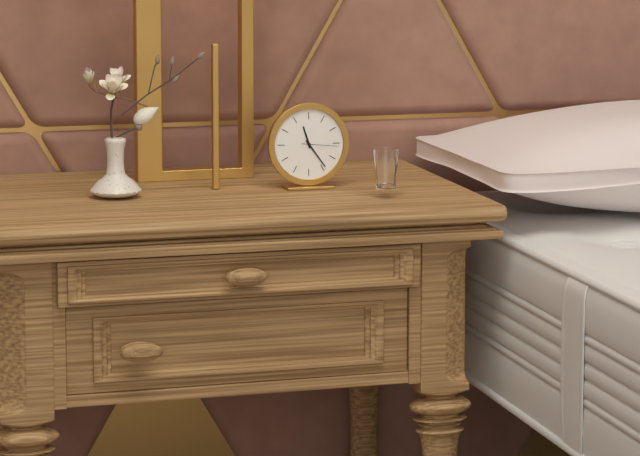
11:24
